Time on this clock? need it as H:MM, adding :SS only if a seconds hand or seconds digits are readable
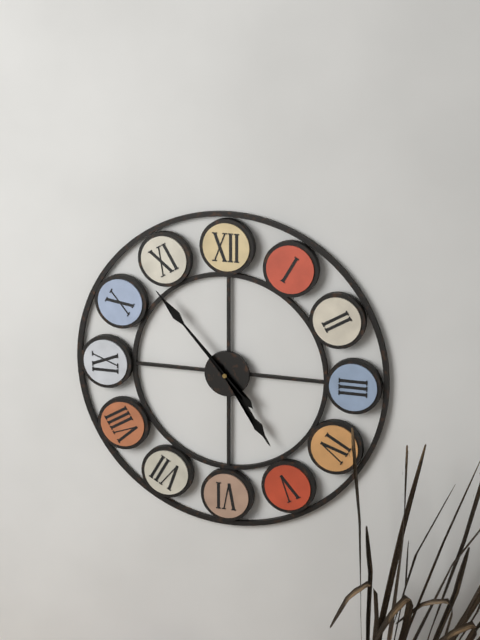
4:53
